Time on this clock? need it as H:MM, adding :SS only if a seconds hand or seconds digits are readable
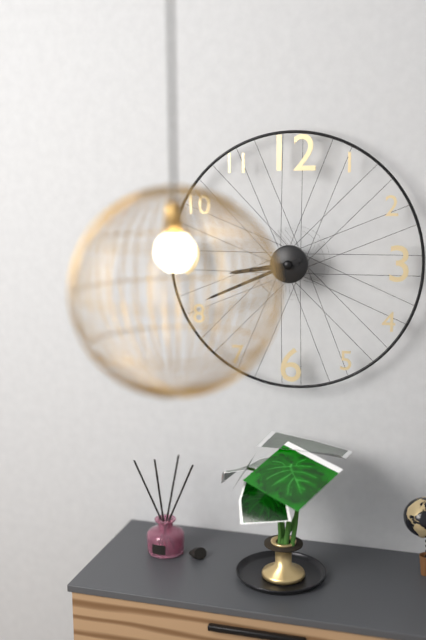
8:41
